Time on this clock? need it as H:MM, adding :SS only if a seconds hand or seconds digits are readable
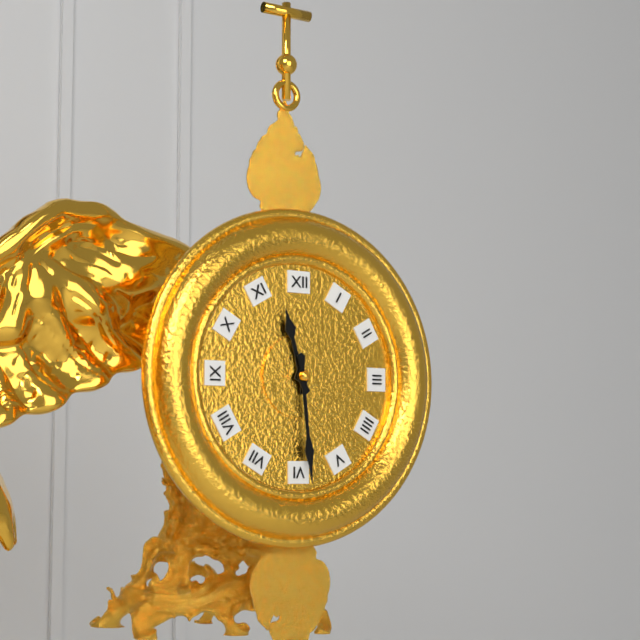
11:29
